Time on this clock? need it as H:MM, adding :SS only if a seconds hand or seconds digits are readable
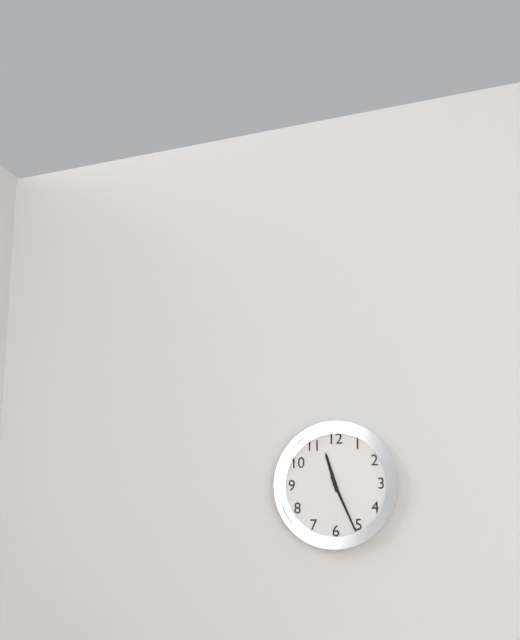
11:26
